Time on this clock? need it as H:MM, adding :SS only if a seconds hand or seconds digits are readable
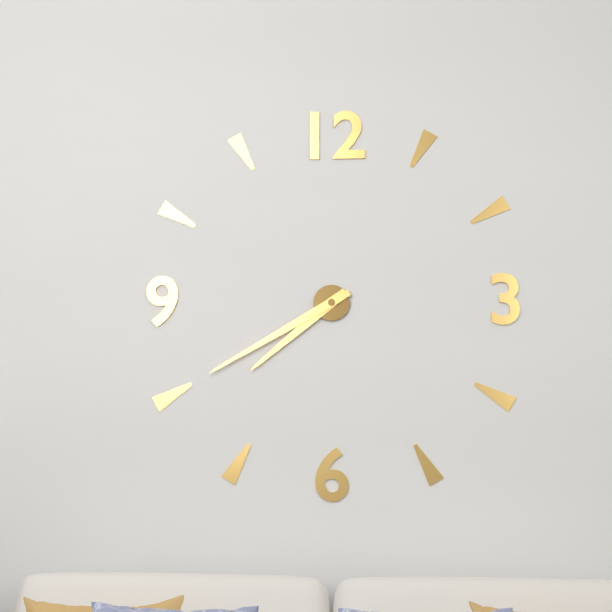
7:40
